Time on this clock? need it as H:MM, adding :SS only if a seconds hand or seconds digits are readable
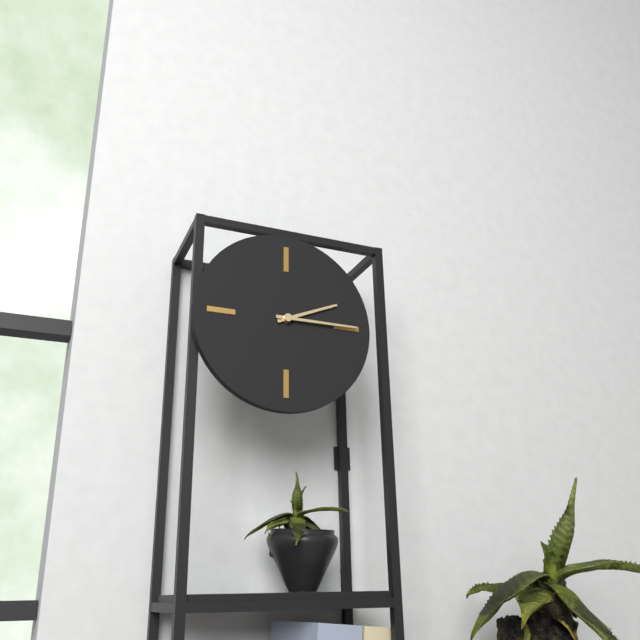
2:15
